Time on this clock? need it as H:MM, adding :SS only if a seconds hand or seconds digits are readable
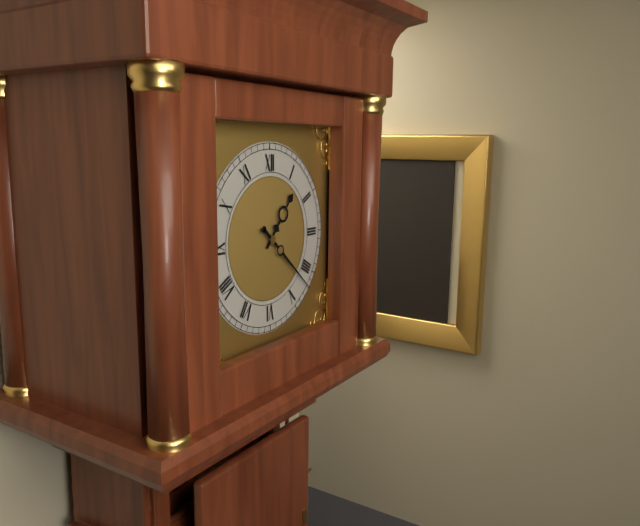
1:22
